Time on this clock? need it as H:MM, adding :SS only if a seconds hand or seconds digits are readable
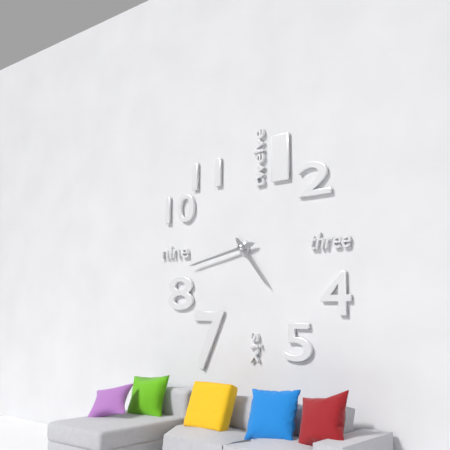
4:43
